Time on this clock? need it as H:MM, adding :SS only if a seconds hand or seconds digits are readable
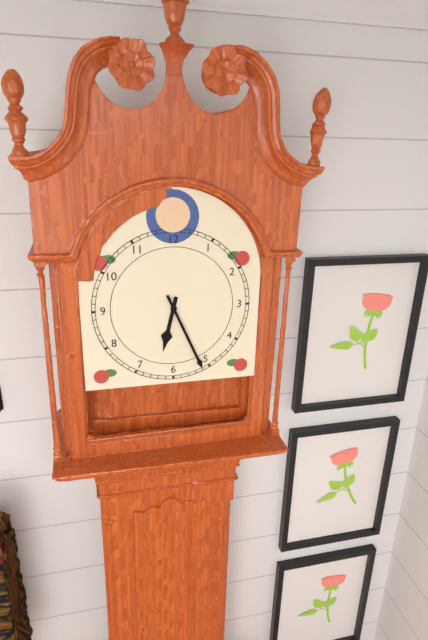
6:26
